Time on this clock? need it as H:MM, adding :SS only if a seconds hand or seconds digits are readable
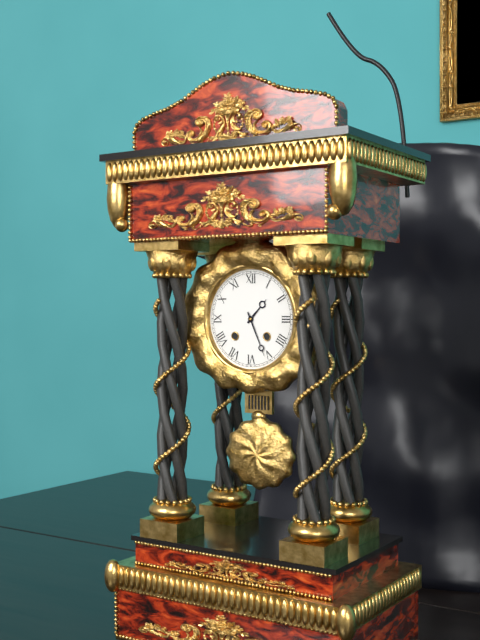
1:26
